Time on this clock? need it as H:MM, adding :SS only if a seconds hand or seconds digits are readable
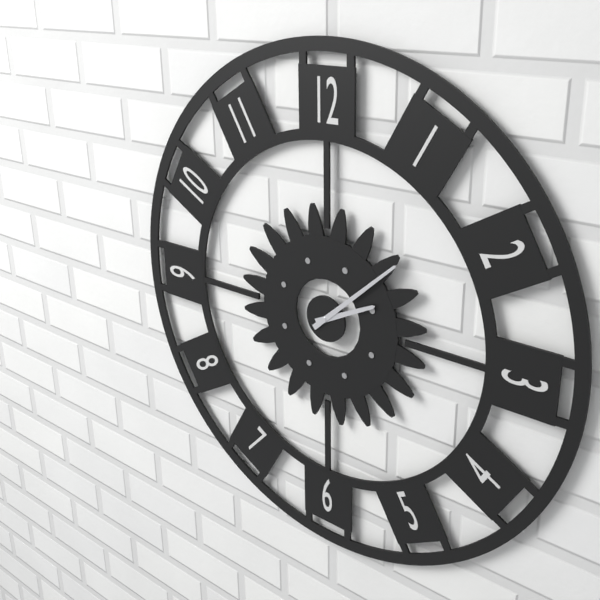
2:08
